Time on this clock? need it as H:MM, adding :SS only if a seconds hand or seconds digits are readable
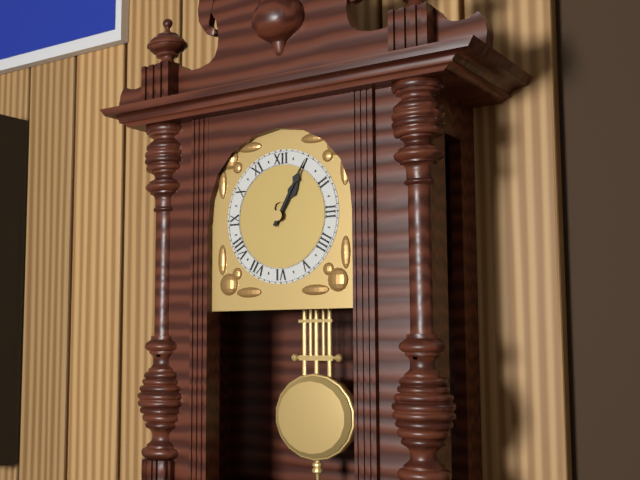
1:05
